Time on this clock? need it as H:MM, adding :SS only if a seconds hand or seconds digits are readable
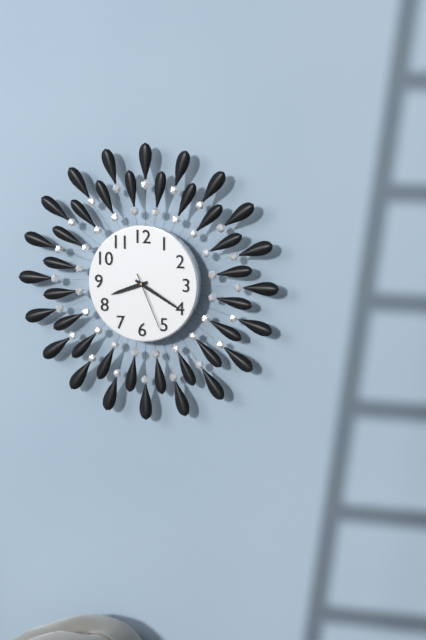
8:20:26
